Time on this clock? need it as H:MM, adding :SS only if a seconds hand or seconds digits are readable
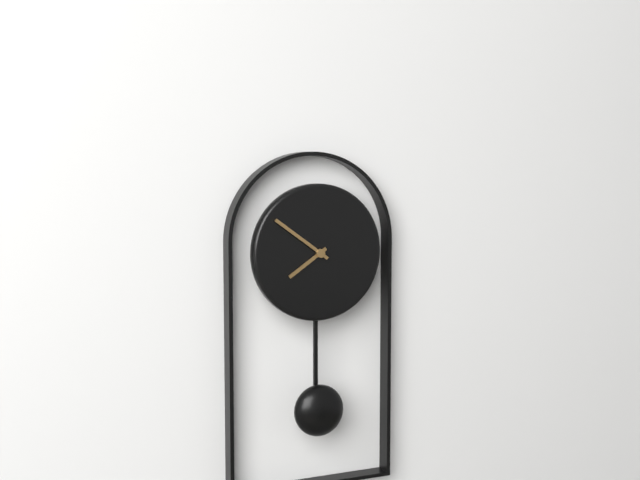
7:51
